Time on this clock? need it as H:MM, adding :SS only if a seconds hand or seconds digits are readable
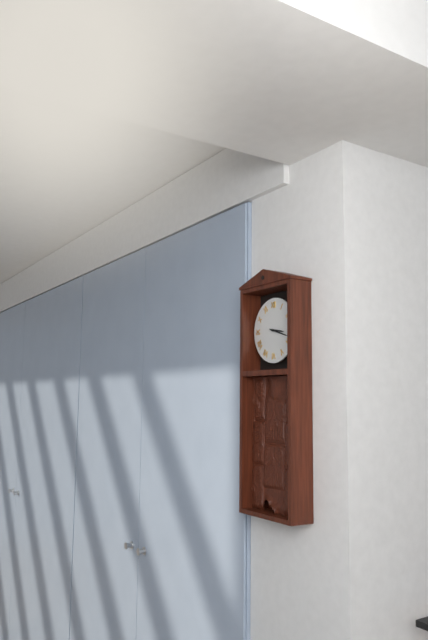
3:18
